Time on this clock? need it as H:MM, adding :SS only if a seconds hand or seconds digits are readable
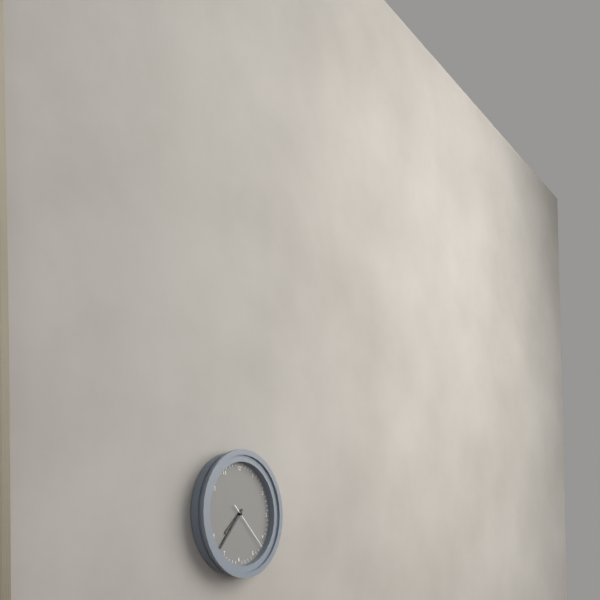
7:37
